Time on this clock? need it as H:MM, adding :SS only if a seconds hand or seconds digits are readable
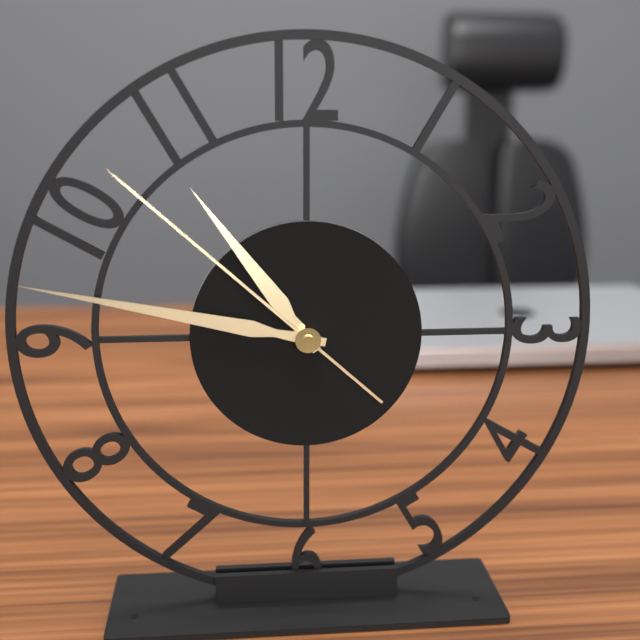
10:47:52
